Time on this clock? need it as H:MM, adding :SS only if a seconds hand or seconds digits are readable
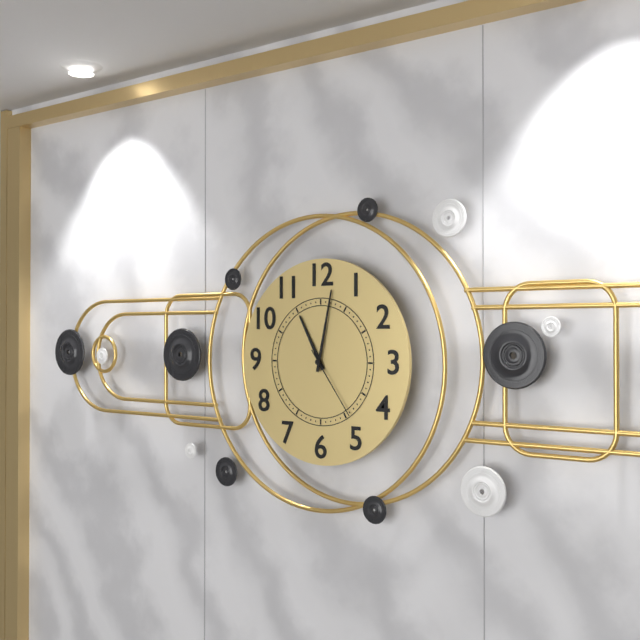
11:02:24
